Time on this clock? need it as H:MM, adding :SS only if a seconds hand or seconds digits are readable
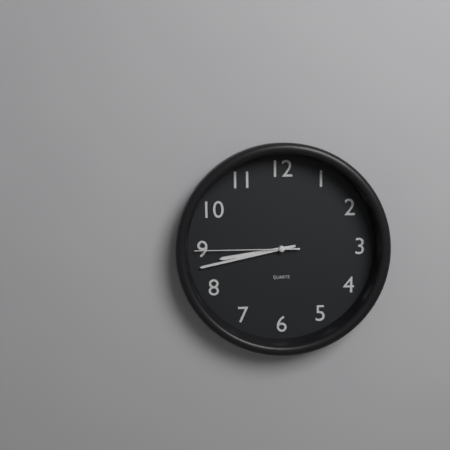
8:43:45
